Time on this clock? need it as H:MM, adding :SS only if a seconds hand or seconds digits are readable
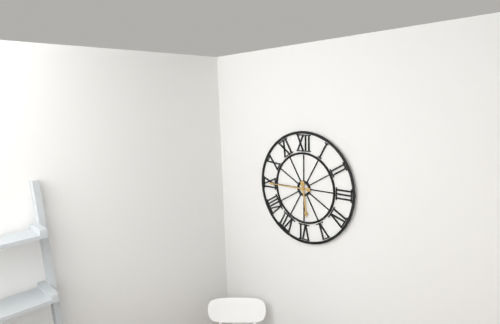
5:45
